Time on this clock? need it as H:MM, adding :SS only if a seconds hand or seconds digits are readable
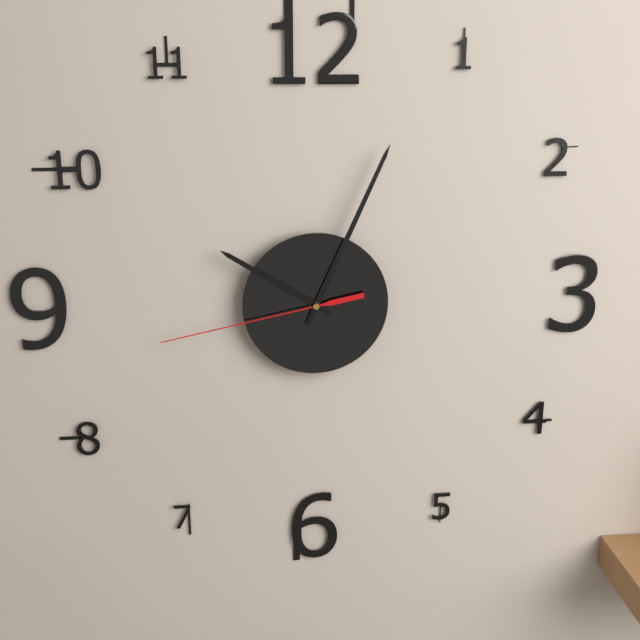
10:04:43
